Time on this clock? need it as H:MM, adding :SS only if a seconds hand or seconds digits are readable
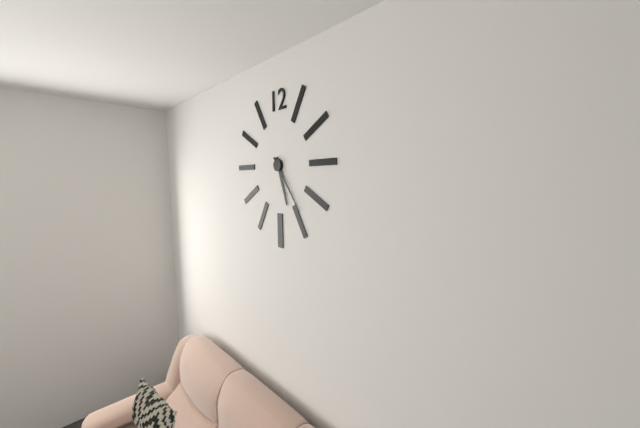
5:24
